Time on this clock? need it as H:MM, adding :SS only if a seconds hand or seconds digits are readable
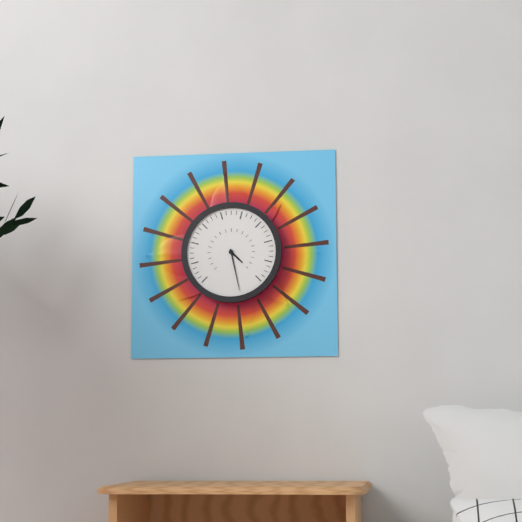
4:28
